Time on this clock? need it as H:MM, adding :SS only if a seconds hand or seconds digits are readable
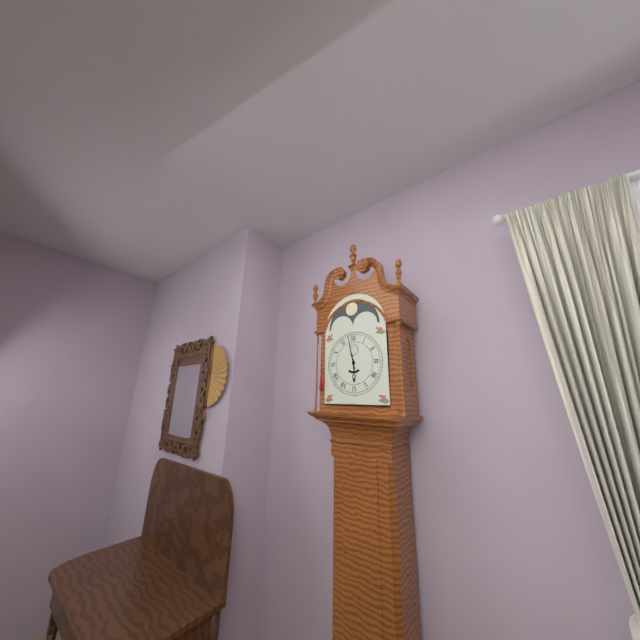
5:58
